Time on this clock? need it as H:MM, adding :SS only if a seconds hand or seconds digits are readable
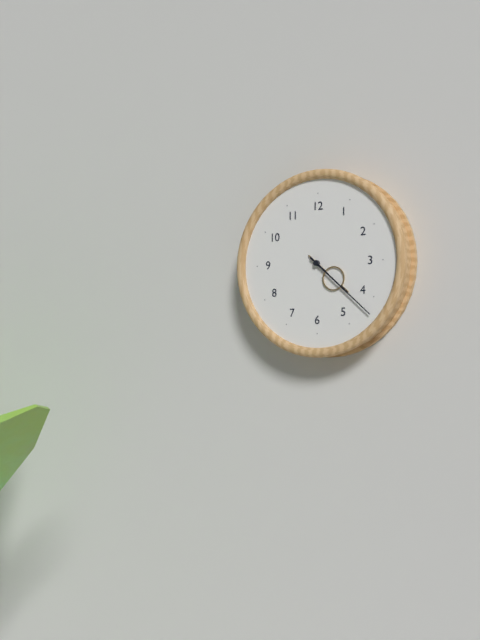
4:22
